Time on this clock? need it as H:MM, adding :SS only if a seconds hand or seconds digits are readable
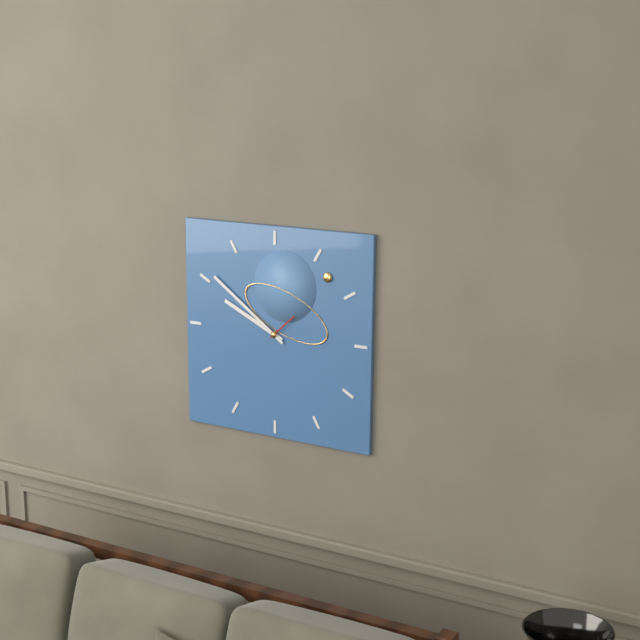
9:51
